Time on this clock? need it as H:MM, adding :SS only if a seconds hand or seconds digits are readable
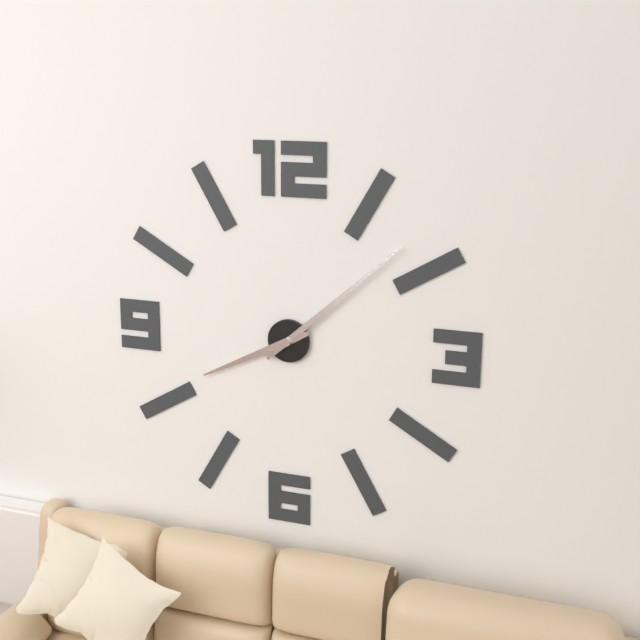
8:08
